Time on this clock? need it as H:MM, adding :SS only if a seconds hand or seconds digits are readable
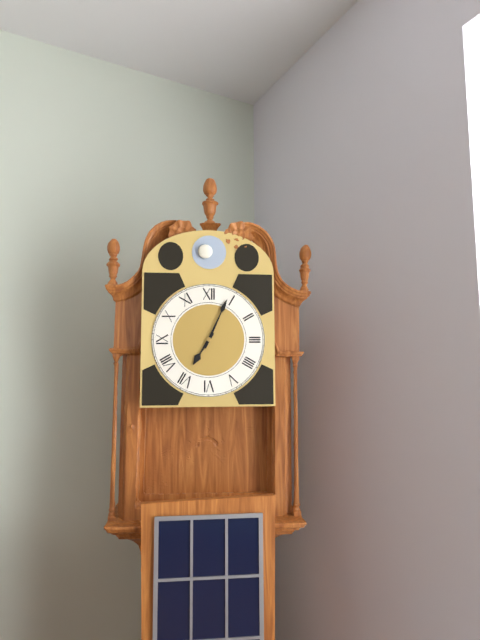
7:04
